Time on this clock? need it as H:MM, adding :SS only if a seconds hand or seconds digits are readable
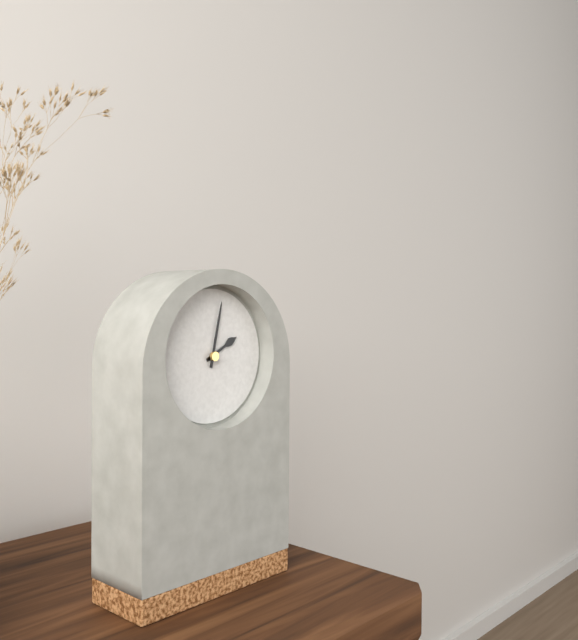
2:02
